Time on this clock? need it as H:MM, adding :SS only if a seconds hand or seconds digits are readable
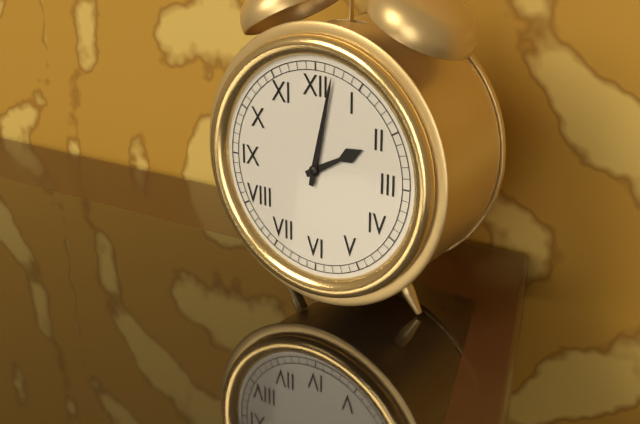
2:02
